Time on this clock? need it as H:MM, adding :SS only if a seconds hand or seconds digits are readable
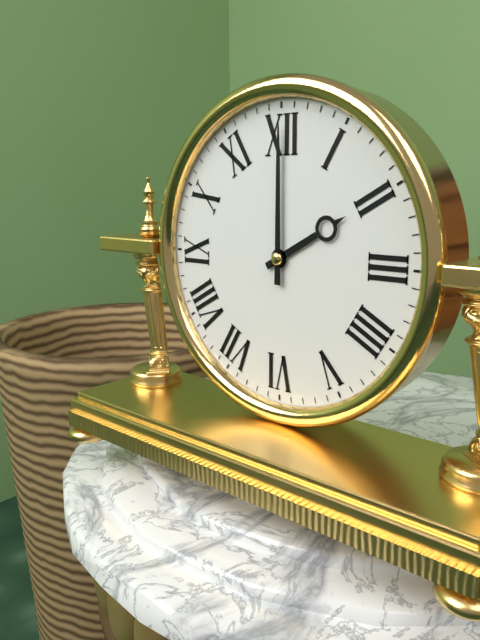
2:00
